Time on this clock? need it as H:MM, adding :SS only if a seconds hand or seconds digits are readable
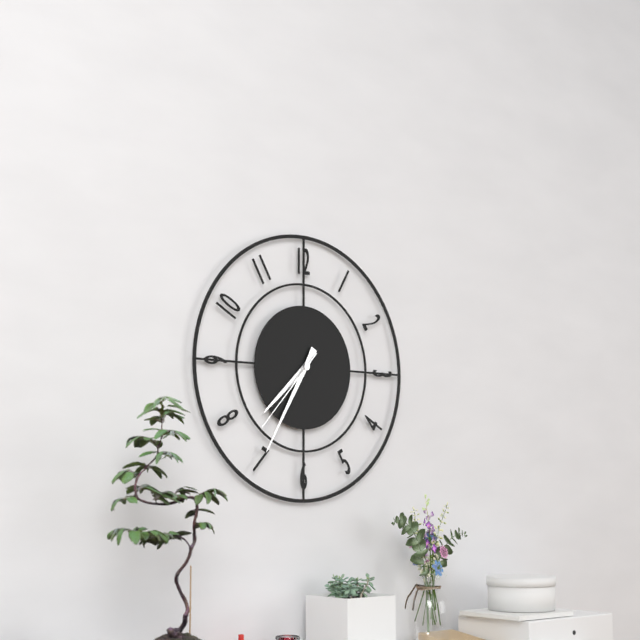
7:35:37
